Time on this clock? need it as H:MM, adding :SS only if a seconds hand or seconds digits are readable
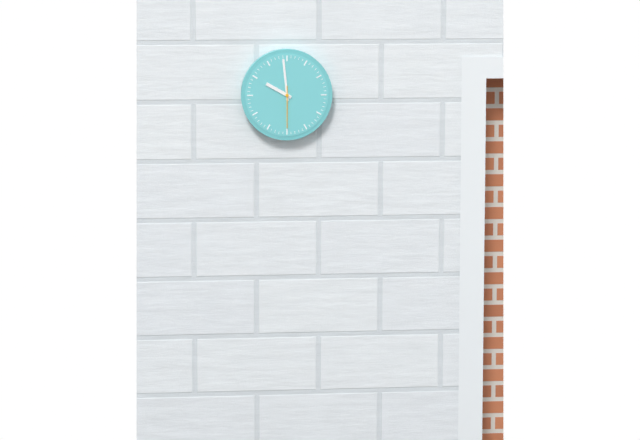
9:59
